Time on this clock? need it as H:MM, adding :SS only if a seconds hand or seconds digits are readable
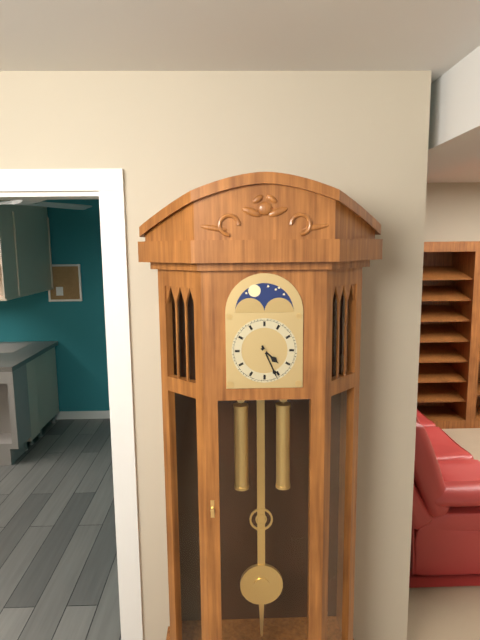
4:26
